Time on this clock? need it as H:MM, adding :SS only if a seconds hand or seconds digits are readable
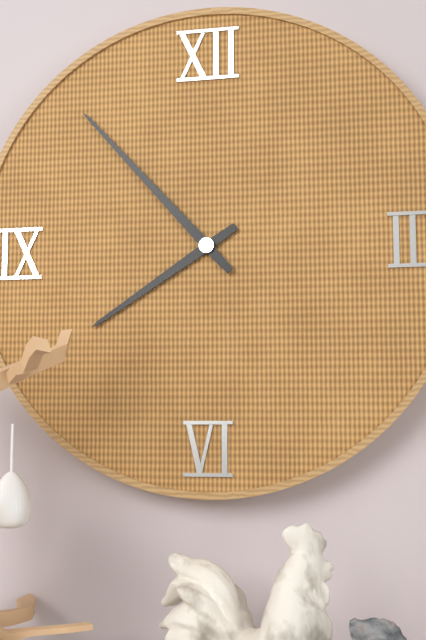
7:53
